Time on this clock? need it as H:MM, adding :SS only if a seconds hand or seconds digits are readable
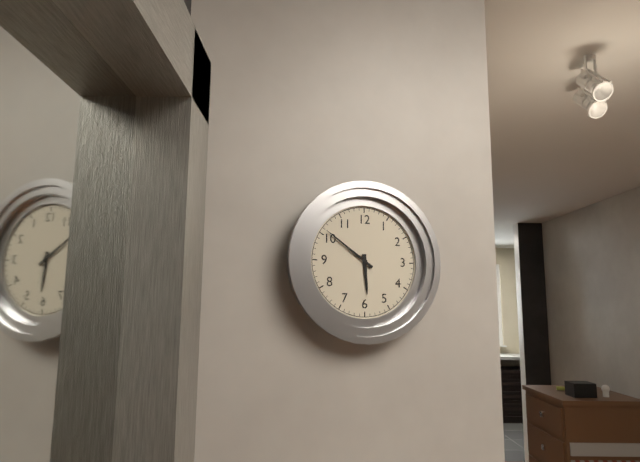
5:51
